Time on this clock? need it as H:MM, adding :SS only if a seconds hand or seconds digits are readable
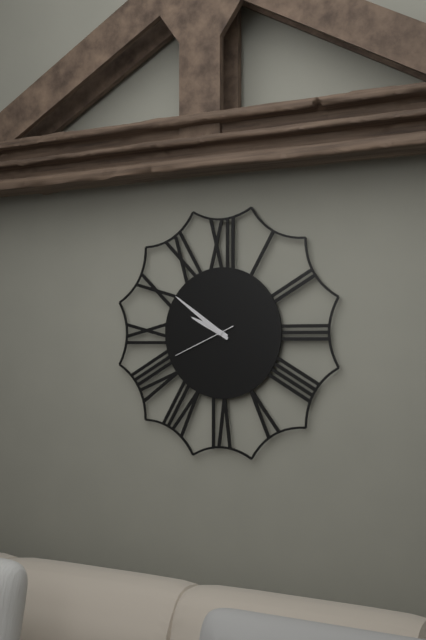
9:51:41
